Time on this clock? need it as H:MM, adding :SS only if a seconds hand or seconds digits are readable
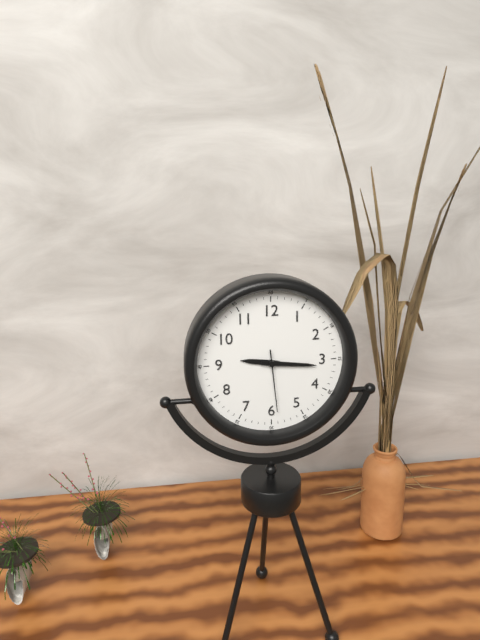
9:16:29
